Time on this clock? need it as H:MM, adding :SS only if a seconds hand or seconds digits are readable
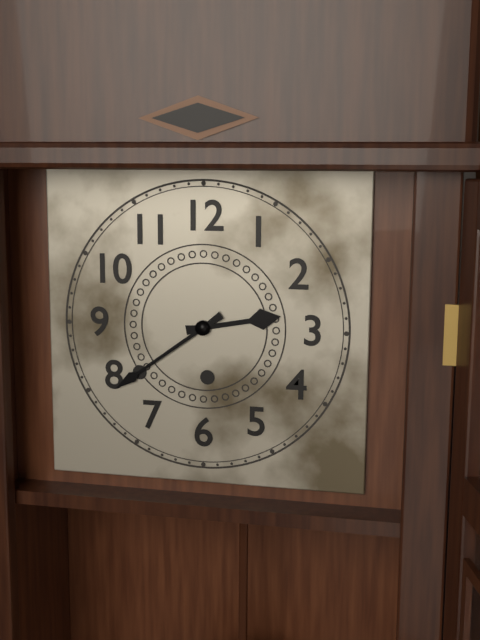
2:39
